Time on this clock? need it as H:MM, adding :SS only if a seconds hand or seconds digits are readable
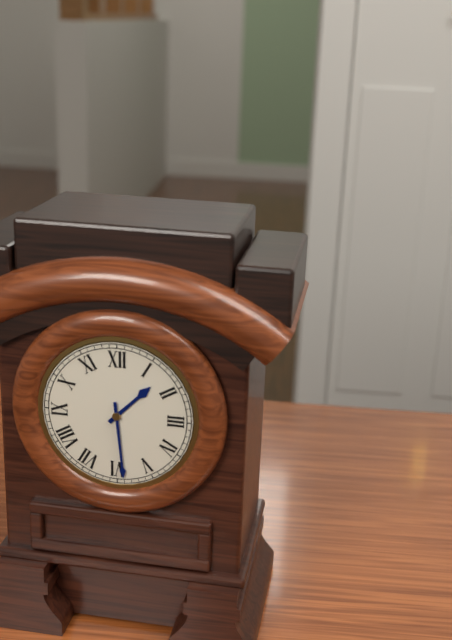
1:29
